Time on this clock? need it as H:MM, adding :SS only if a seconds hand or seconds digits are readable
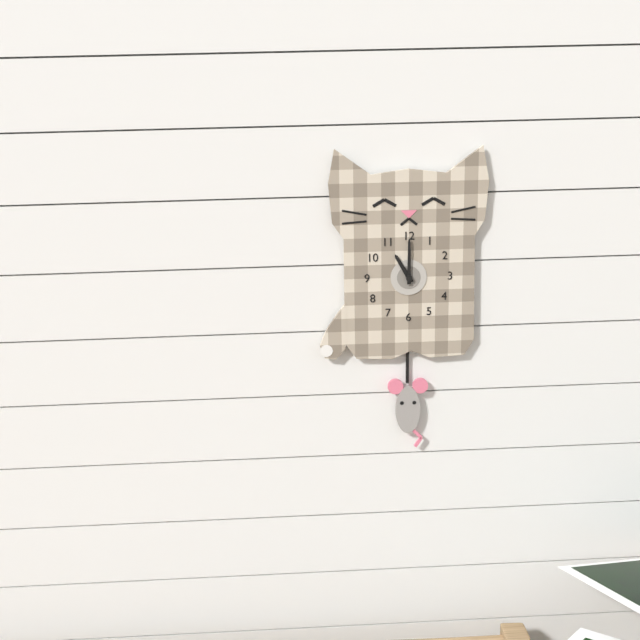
11:00
